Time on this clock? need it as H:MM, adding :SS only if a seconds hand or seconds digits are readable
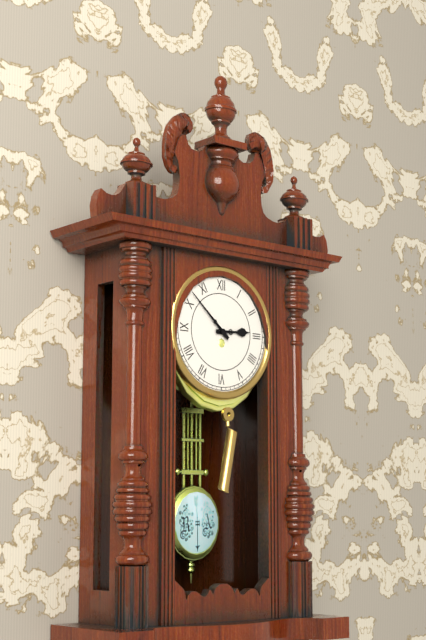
2:52
